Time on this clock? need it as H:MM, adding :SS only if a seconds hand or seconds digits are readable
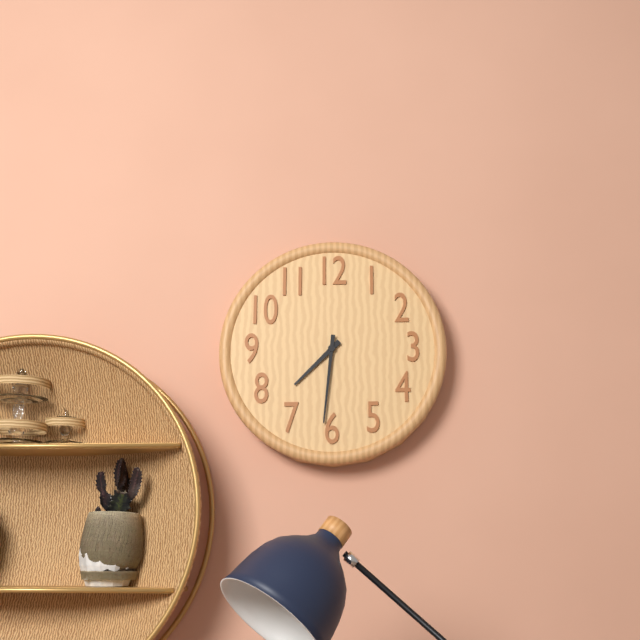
7:31
